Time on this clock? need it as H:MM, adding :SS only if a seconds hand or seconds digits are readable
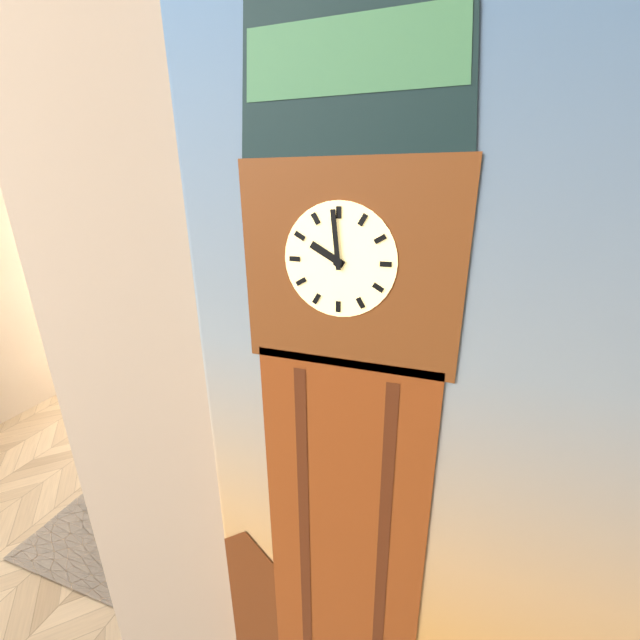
9:59
